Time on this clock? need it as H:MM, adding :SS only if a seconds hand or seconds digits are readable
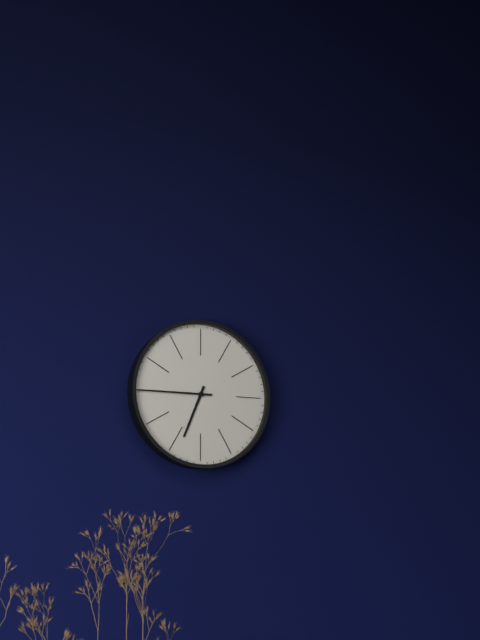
6:45
